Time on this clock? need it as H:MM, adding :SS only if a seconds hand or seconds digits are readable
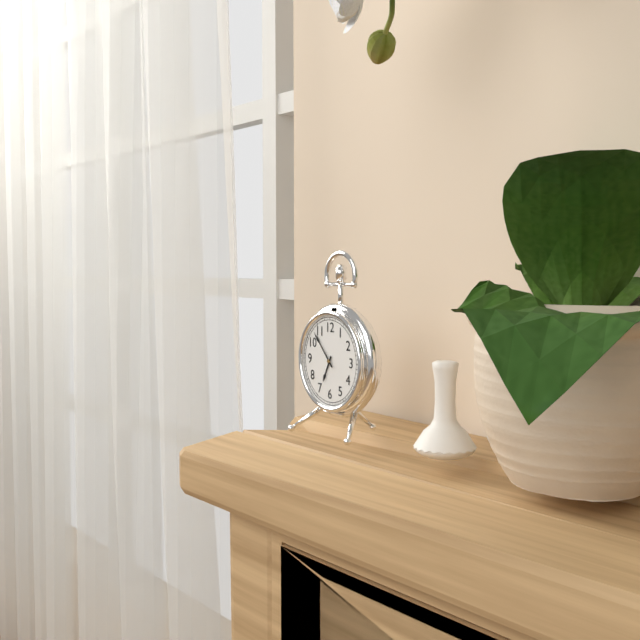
6:53
